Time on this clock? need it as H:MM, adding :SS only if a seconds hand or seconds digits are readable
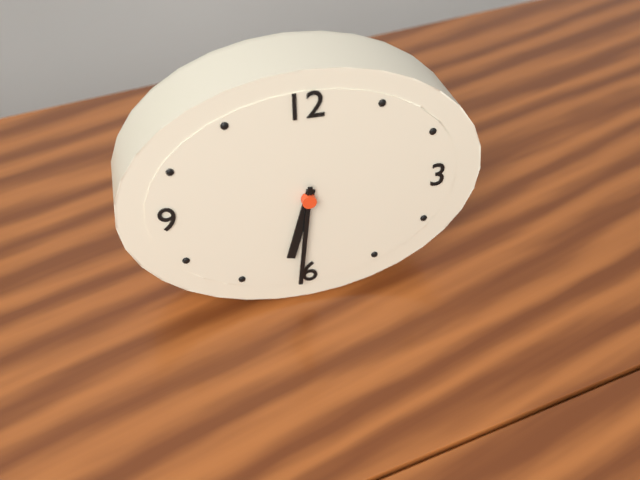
6:31
